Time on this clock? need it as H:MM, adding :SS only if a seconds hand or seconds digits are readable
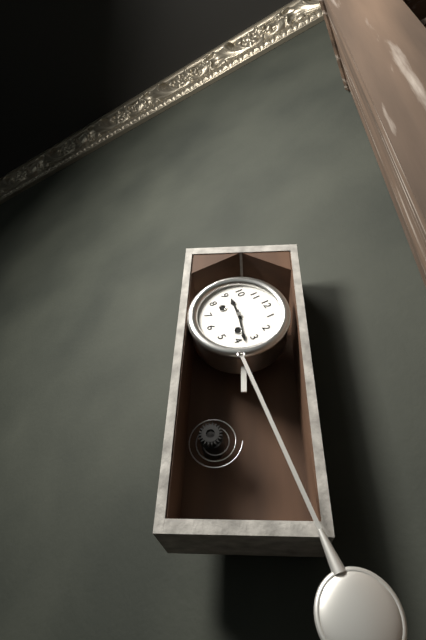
9:18
